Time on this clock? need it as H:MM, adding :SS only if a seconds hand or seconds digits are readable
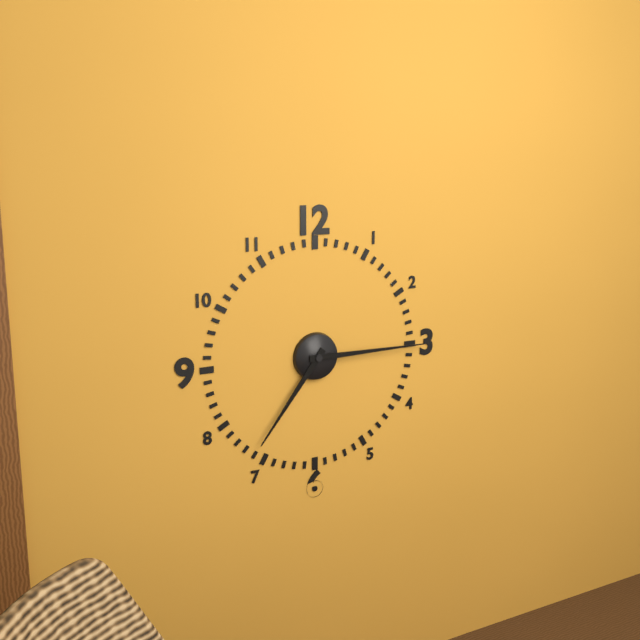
7:15
